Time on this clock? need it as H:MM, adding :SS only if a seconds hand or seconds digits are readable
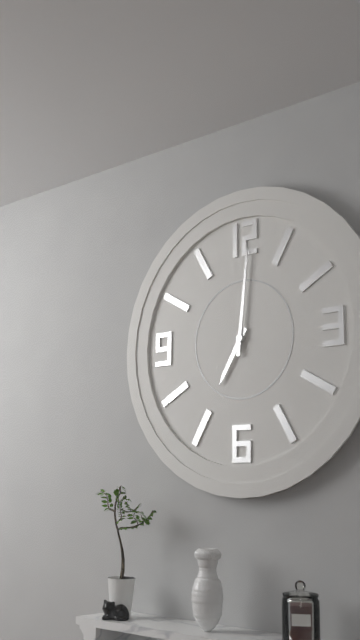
7:01
